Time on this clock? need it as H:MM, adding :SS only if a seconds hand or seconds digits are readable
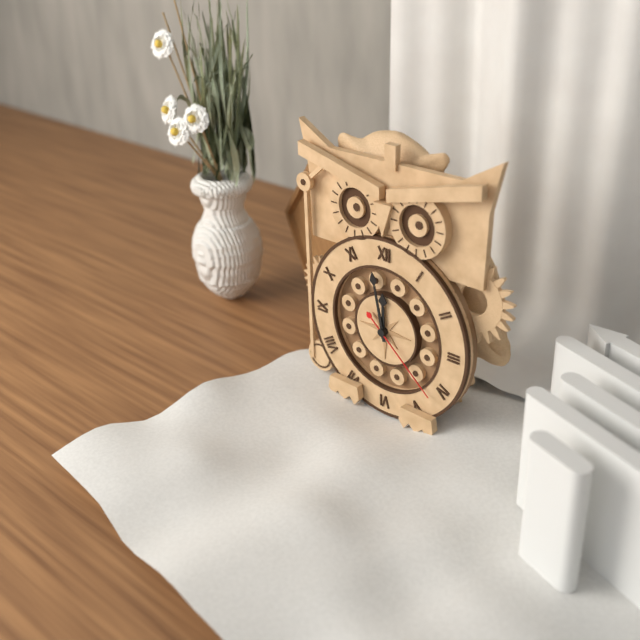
11:58:22
